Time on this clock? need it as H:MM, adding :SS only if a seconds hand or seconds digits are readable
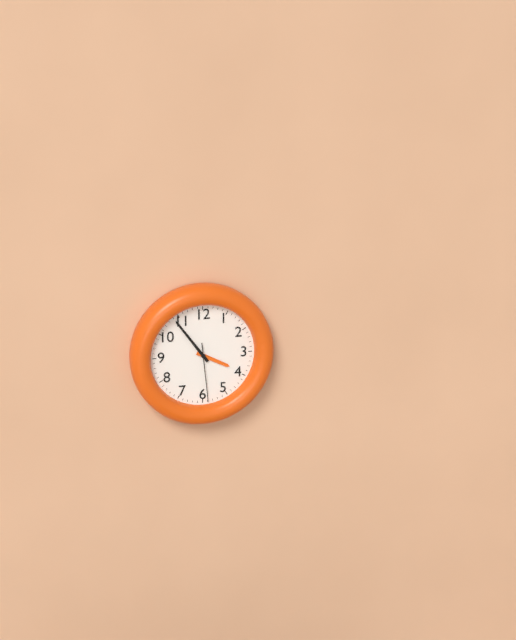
3:54:29
